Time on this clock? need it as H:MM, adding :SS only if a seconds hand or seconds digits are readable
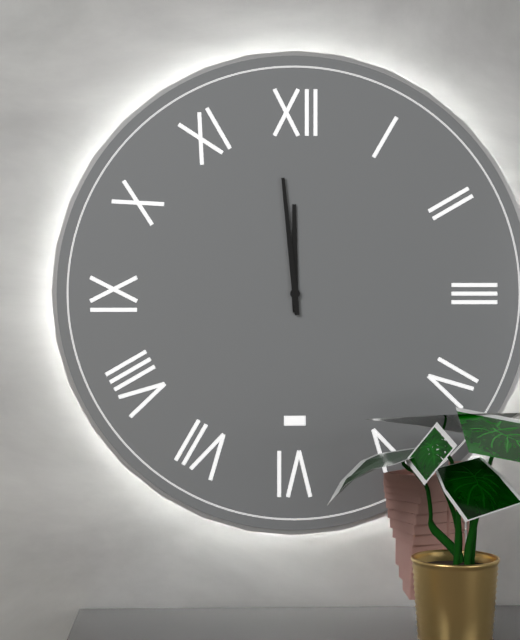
11:59
